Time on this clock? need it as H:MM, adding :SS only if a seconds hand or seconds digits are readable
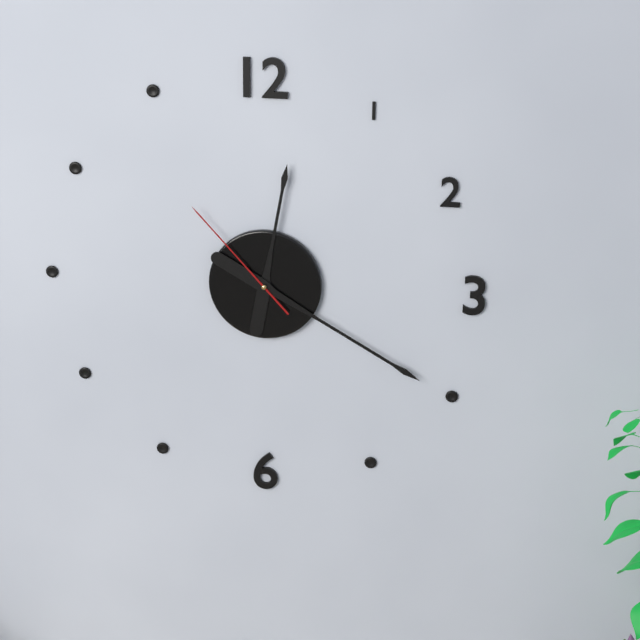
12:20:53
